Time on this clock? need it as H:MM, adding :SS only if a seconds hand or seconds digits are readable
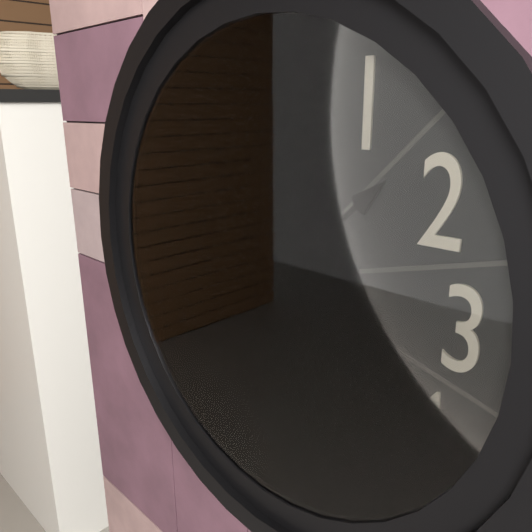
12:08
